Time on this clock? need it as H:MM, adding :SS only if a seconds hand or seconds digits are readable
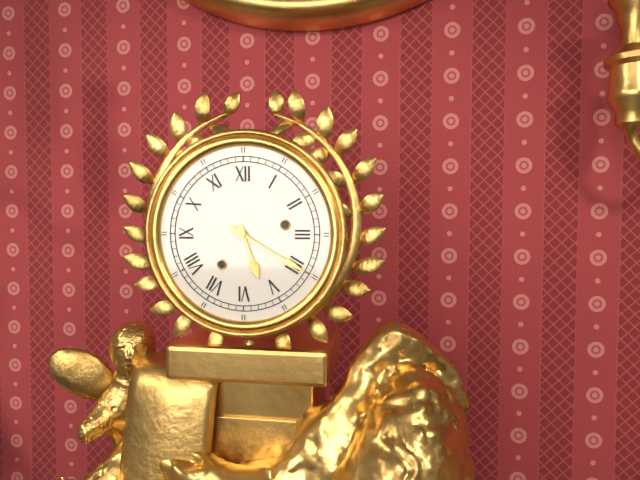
5:20
